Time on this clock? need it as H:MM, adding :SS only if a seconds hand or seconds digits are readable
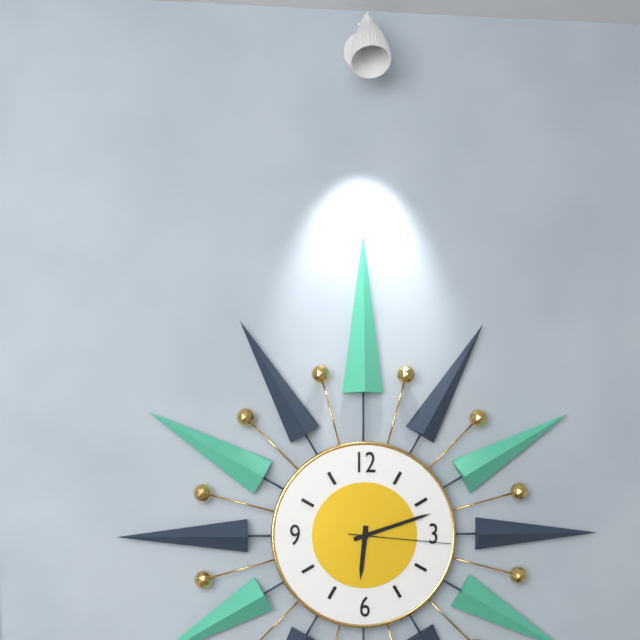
6:12:16
